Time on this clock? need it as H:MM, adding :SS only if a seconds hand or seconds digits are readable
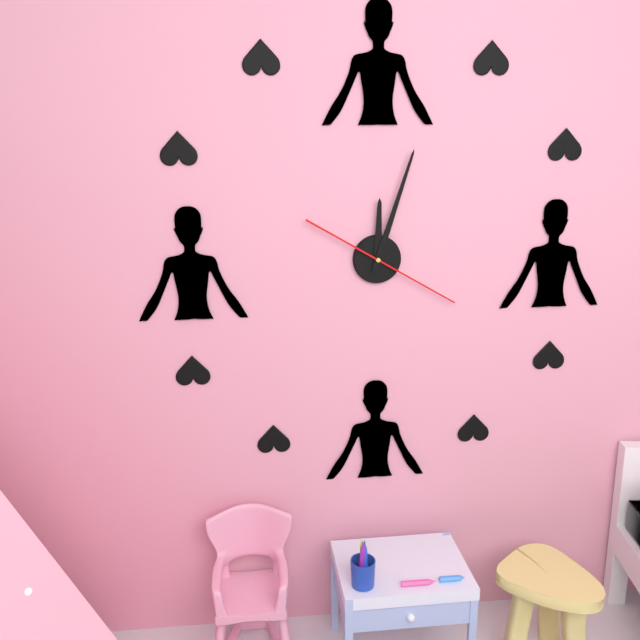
12:03:20
